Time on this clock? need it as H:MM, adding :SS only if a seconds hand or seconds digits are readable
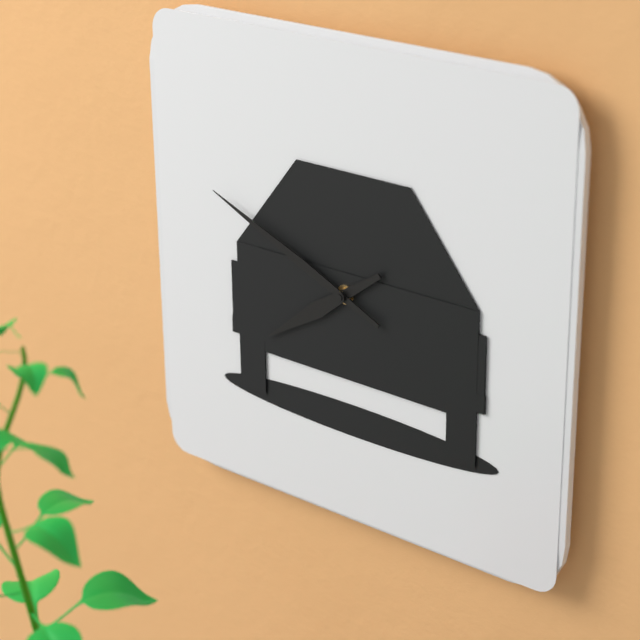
7:49
